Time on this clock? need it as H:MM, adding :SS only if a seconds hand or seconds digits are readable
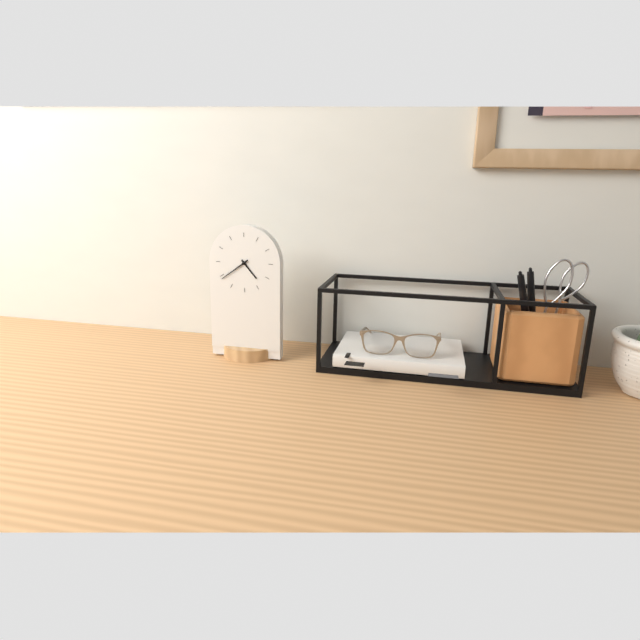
4:39
